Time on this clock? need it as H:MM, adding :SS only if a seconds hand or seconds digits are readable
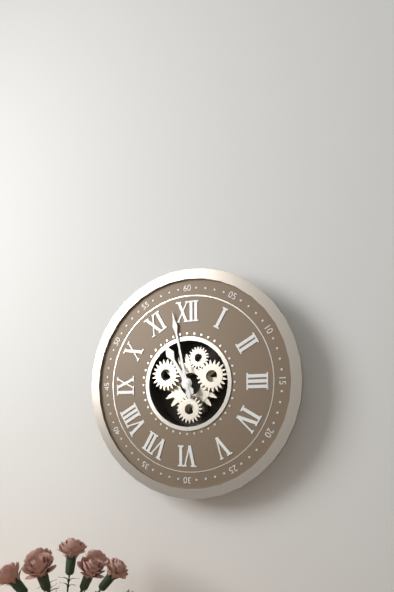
10:58
